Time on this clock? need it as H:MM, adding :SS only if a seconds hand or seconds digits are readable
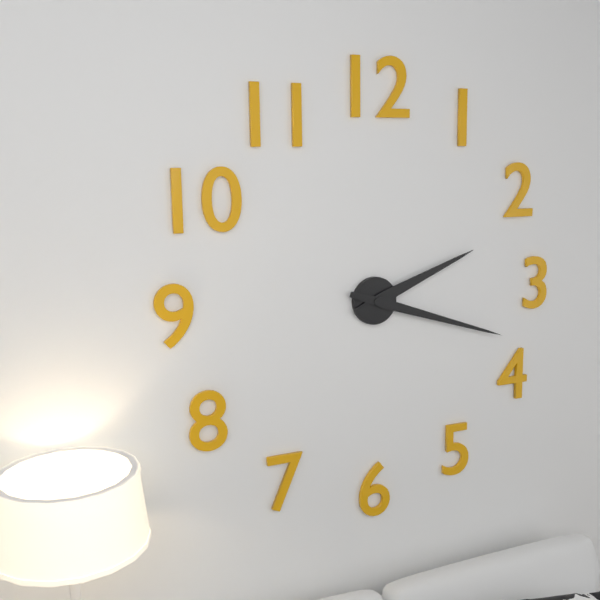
2:18
